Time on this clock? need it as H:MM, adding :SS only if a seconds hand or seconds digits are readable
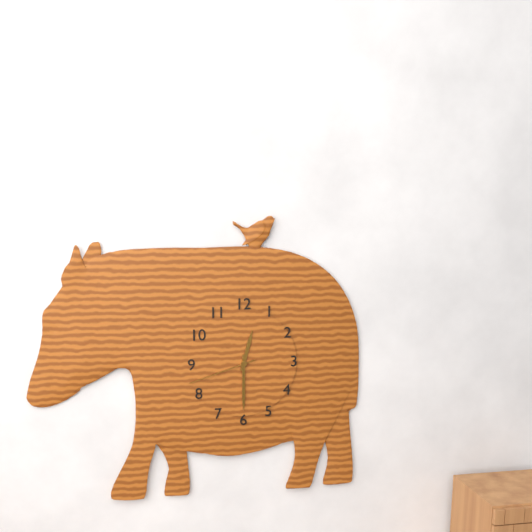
12:30:42
